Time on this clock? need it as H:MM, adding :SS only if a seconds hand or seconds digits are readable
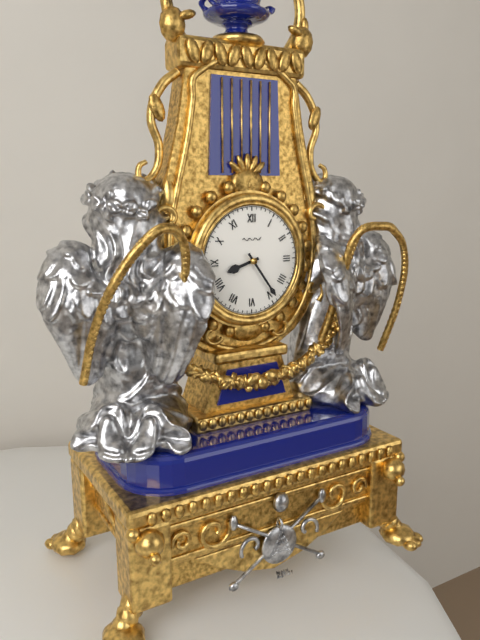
8:24
